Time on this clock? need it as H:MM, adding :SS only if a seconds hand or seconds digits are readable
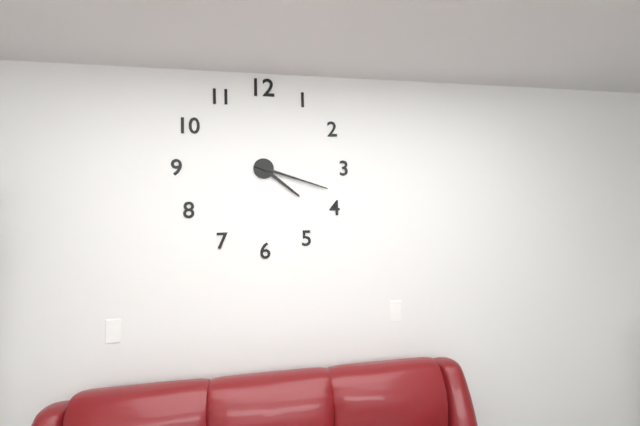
4:18
